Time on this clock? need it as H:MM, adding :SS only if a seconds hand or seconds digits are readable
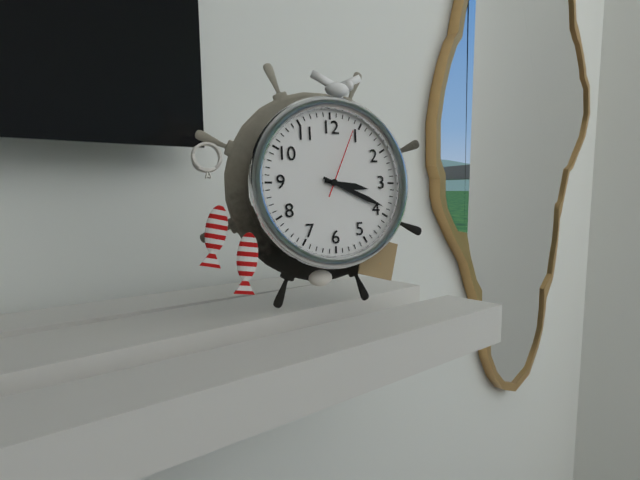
3:19:04
